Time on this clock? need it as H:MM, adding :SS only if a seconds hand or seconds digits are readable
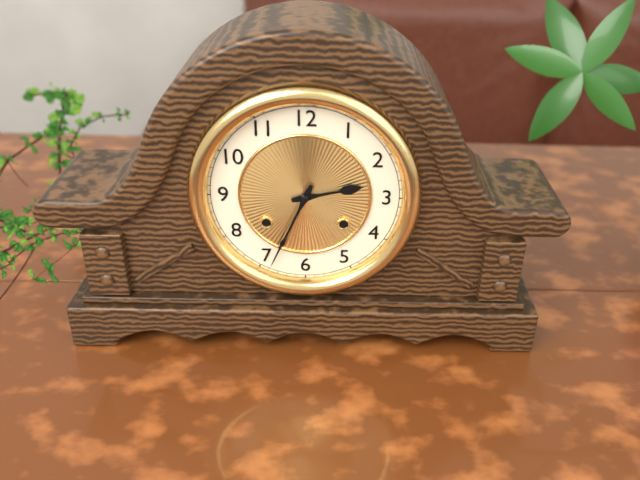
2:34
